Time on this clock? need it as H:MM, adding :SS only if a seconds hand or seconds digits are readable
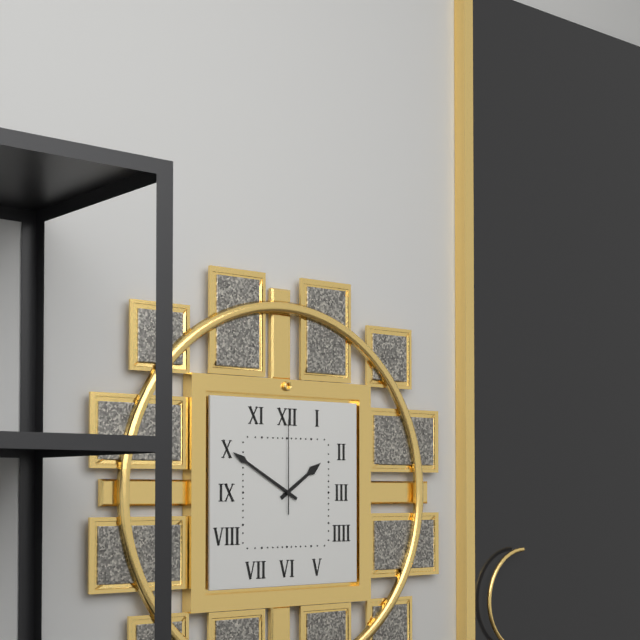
1:50:00
